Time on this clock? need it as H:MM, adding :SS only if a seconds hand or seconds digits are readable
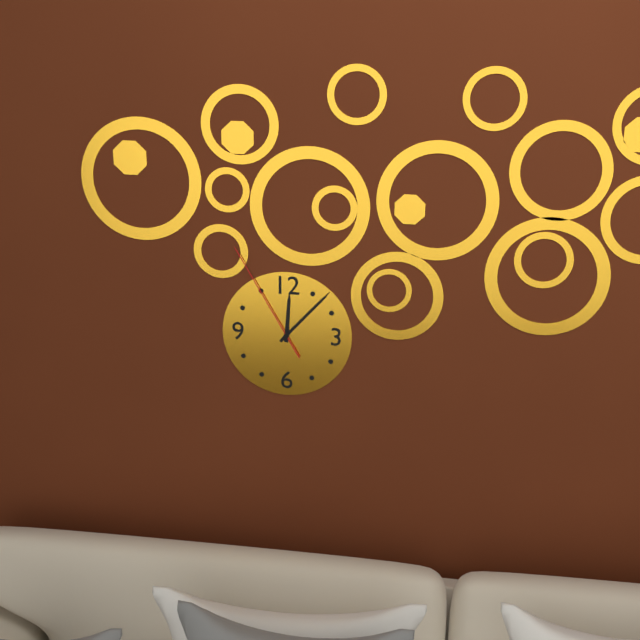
12:07:55
